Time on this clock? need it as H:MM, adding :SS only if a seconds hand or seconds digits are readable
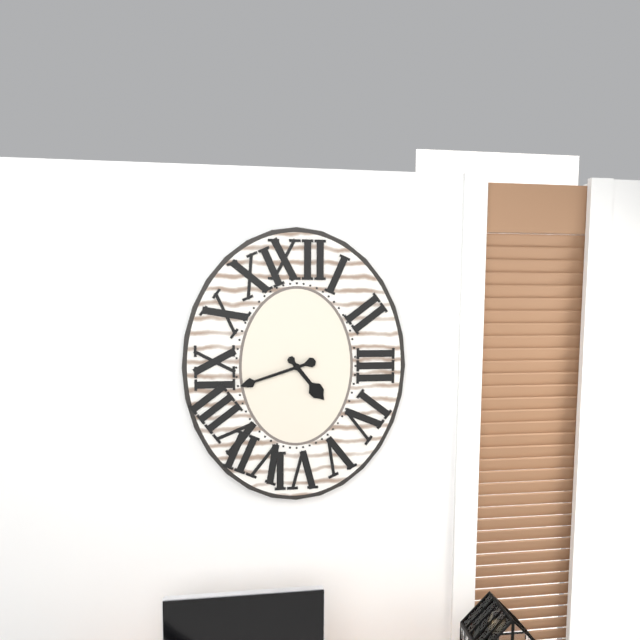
4:42
